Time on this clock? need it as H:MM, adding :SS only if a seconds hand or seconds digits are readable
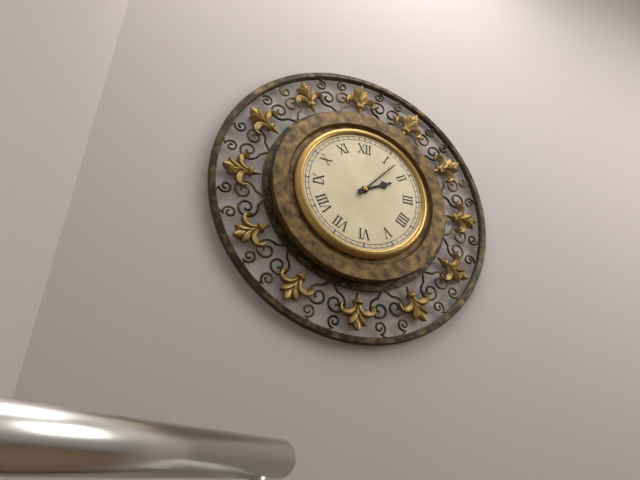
2:07
